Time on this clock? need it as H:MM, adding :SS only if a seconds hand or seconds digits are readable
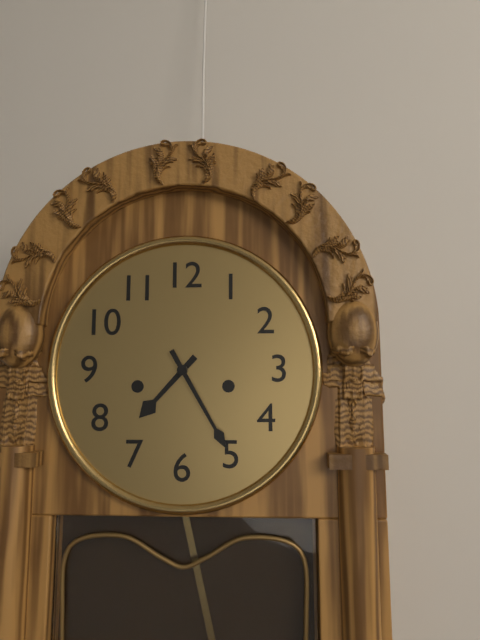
7:25
